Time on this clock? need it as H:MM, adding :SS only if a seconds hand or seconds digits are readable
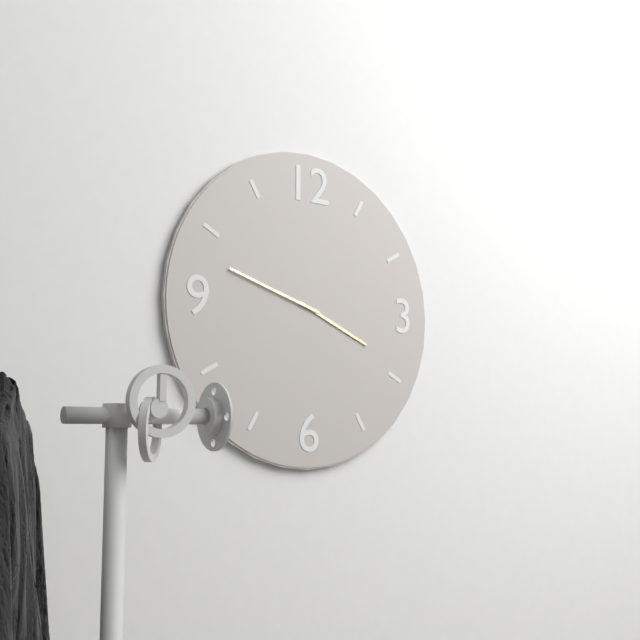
3:48
